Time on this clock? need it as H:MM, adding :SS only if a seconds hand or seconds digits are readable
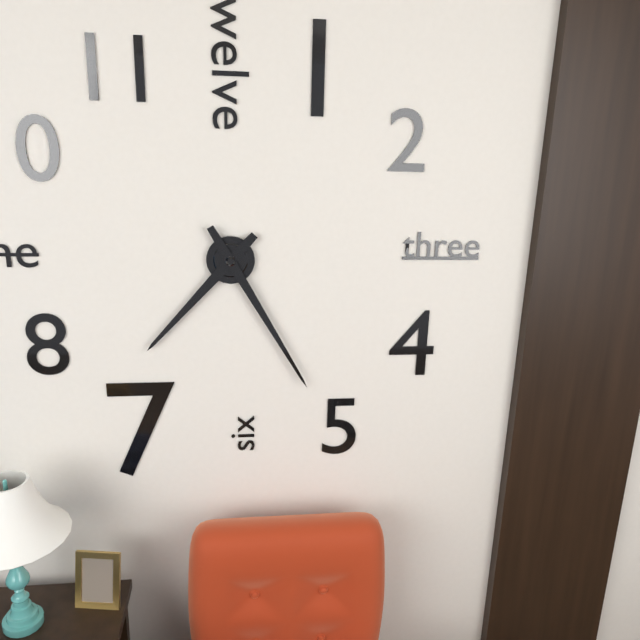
7:25
